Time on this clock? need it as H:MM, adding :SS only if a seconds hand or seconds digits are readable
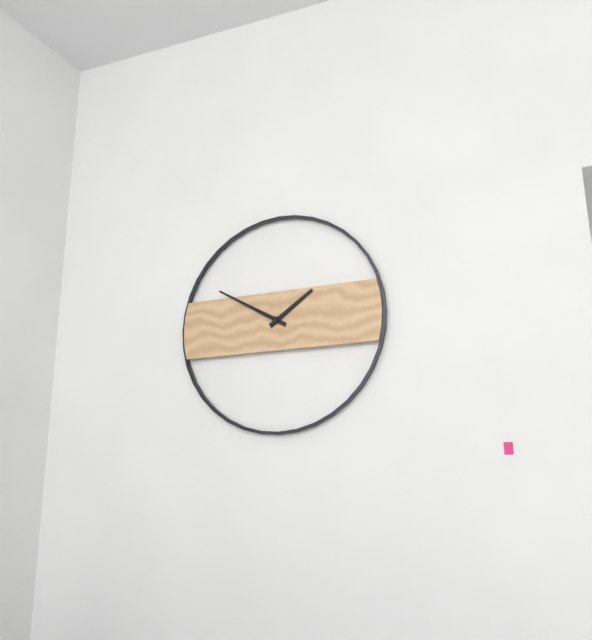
1:50
